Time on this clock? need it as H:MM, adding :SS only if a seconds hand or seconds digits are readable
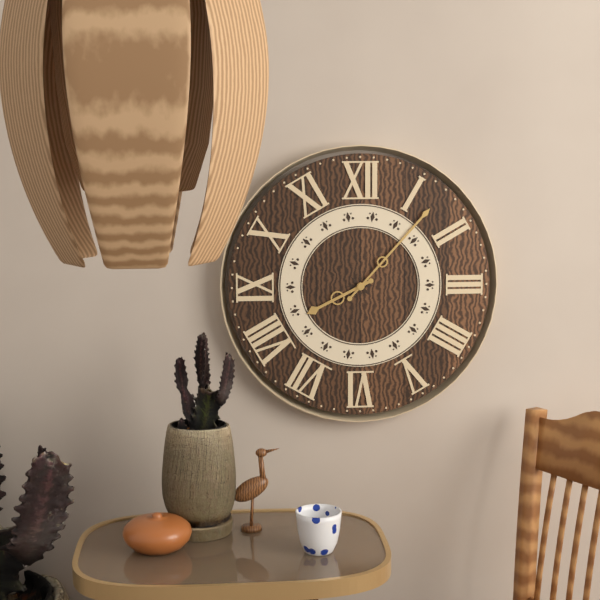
8:07
